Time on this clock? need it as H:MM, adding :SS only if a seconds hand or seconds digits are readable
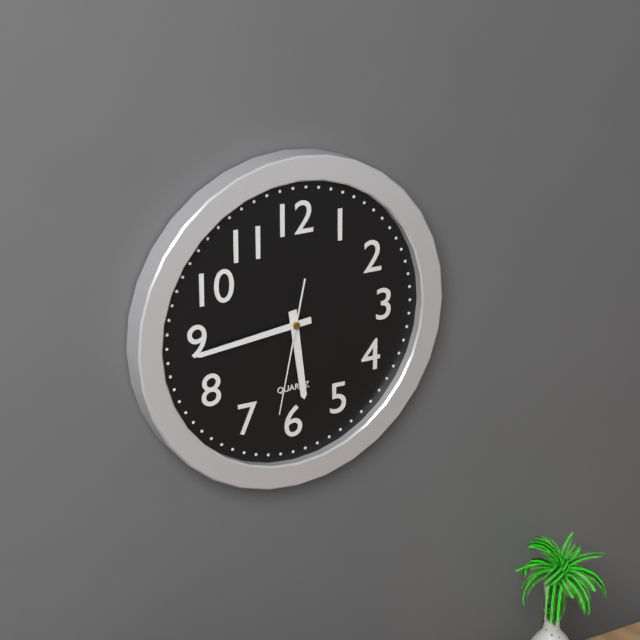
5:44:32
